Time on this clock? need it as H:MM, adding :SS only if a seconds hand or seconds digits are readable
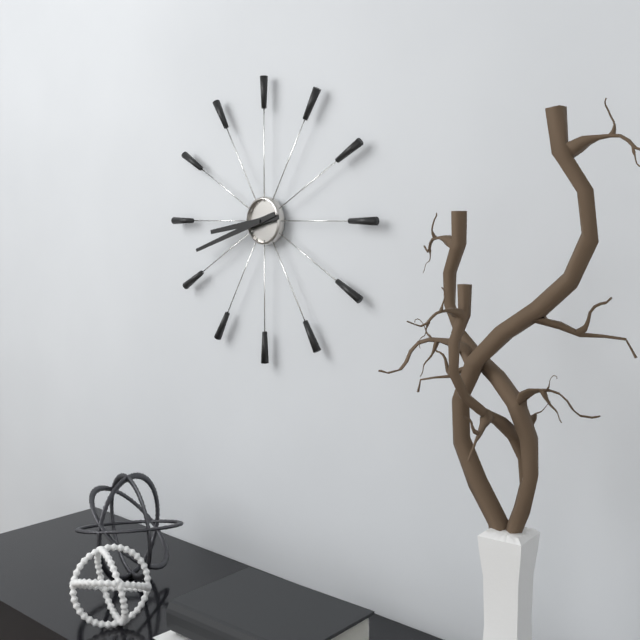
8:42
